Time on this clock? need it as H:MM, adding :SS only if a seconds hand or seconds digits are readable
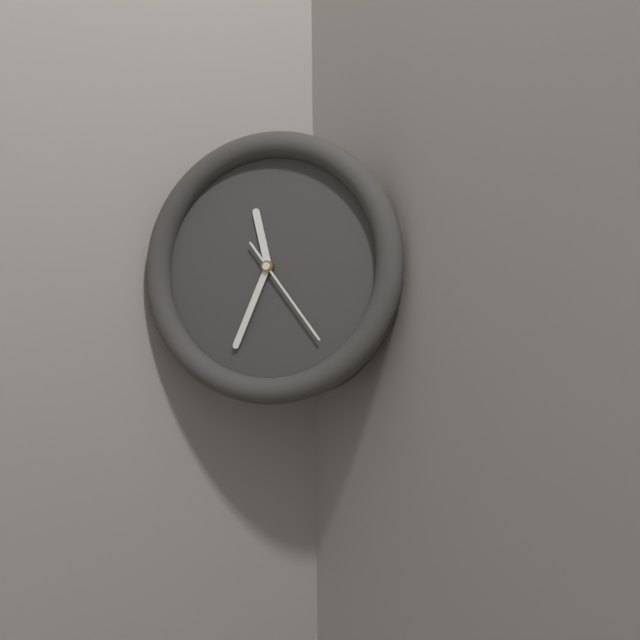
11:34:24
